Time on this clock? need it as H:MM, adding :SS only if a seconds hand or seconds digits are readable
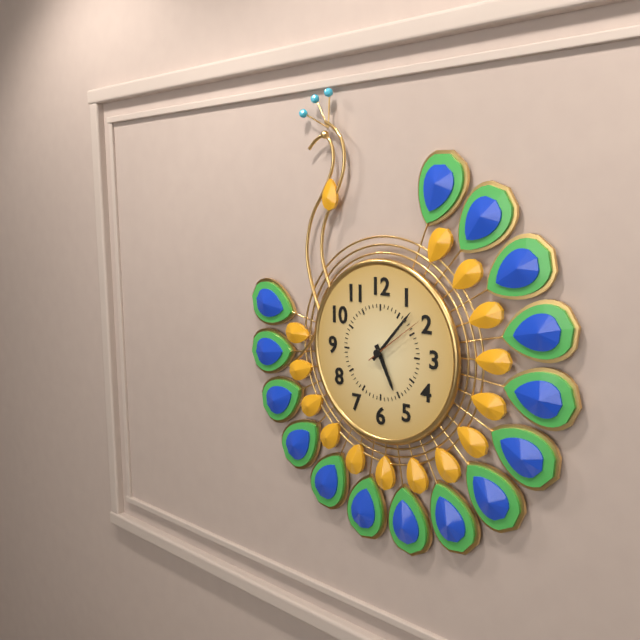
5:07:09
